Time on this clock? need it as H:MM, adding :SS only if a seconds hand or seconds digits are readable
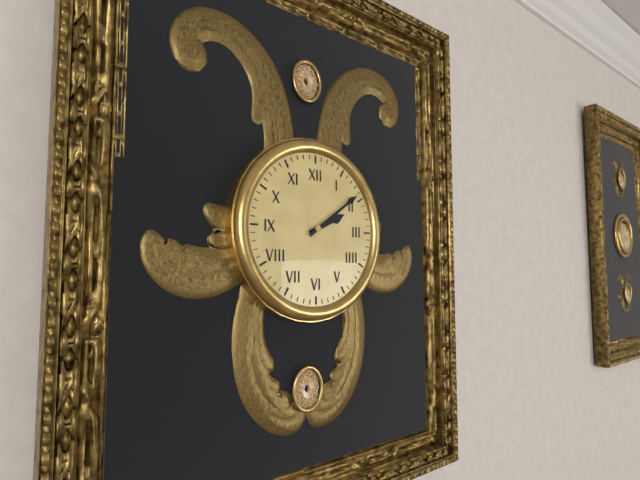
2:09
